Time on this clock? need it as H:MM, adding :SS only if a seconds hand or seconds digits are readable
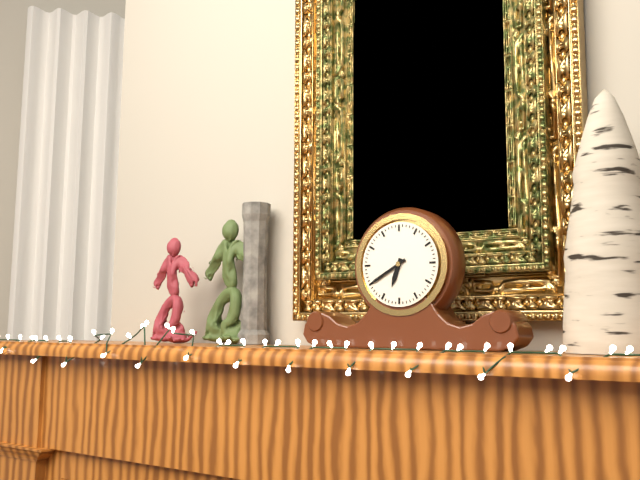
6:40
